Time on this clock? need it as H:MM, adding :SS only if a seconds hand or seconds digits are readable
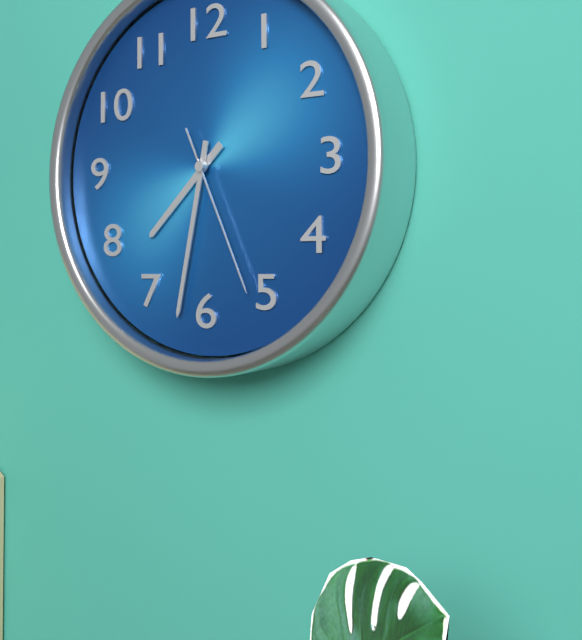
7:32:26
